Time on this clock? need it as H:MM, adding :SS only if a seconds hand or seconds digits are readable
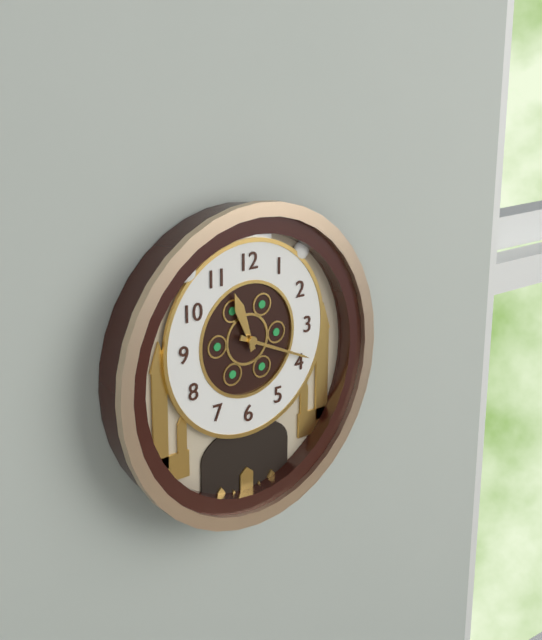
11:19
